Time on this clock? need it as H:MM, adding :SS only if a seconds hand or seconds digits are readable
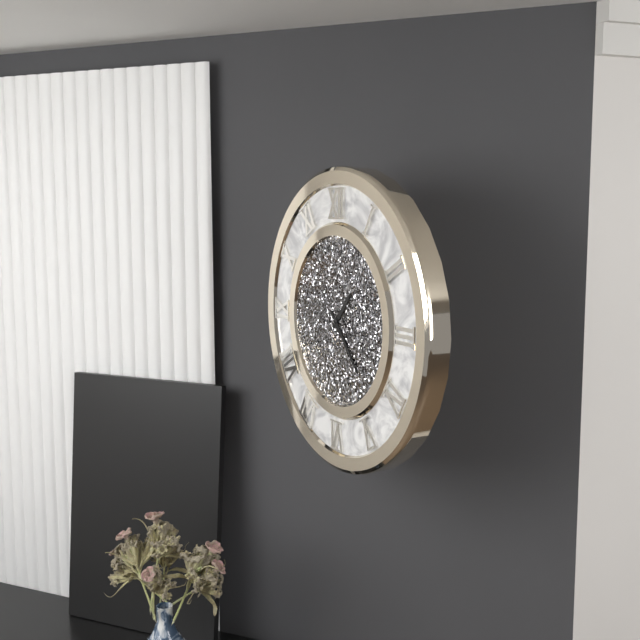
1:23
